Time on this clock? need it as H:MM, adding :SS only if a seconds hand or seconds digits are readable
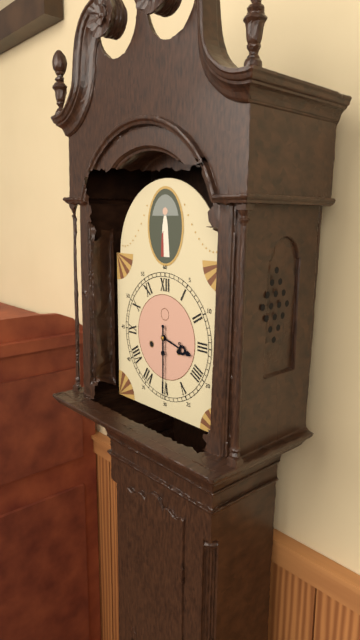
3:30
